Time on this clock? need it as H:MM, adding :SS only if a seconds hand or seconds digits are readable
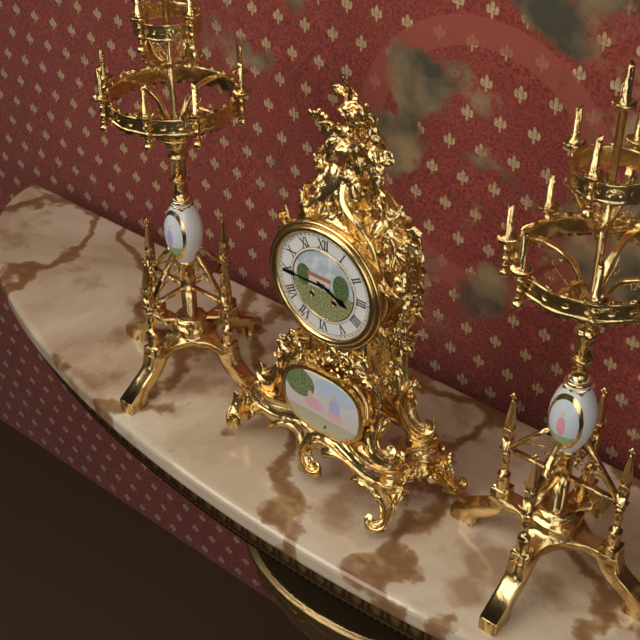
3:45
